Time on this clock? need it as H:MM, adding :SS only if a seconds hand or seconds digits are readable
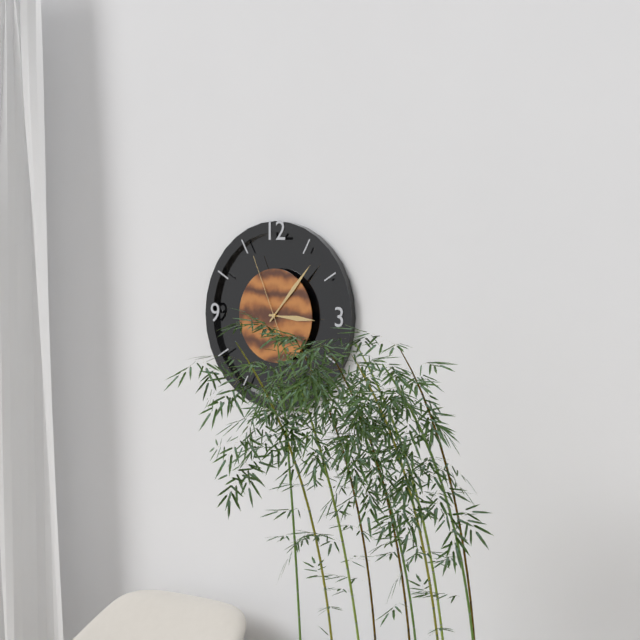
3:07:56
